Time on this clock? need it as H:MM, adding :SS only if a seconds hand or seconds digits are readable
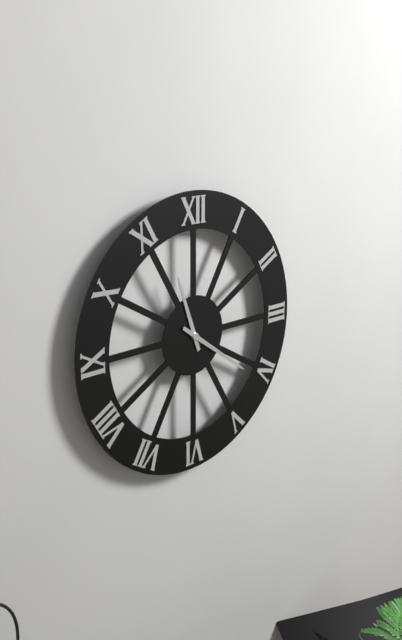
11:21
